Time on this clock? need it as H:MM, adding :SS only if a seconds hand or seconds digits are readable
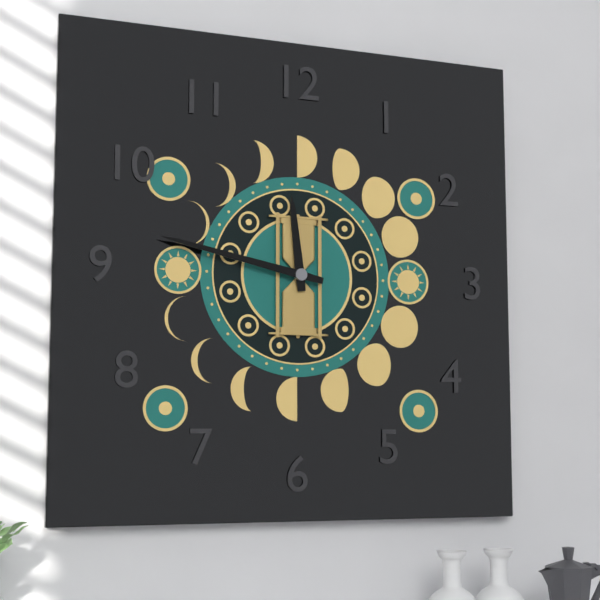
11:47
